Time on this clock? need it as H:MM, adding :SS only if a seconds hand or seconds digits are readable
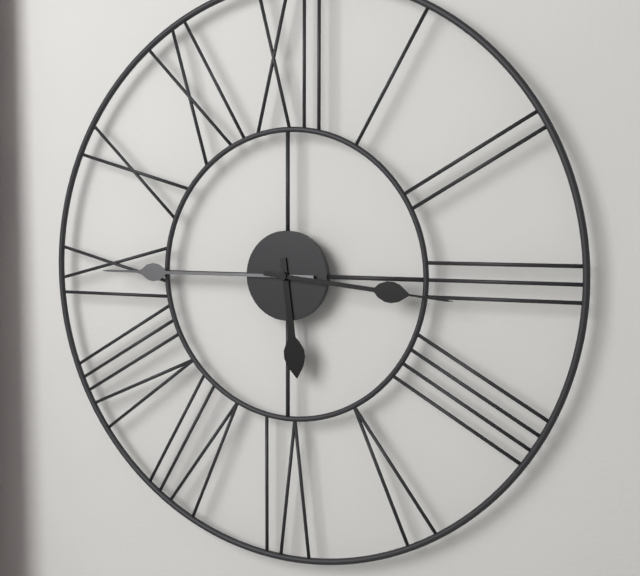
5:45:16
